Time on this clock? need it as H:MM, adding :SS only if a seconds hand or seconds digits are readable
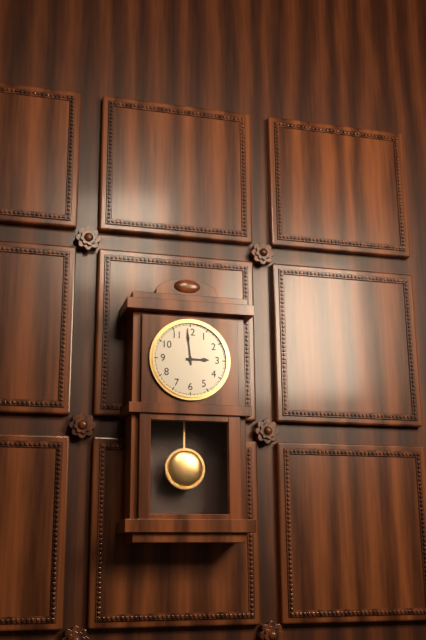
2:59
